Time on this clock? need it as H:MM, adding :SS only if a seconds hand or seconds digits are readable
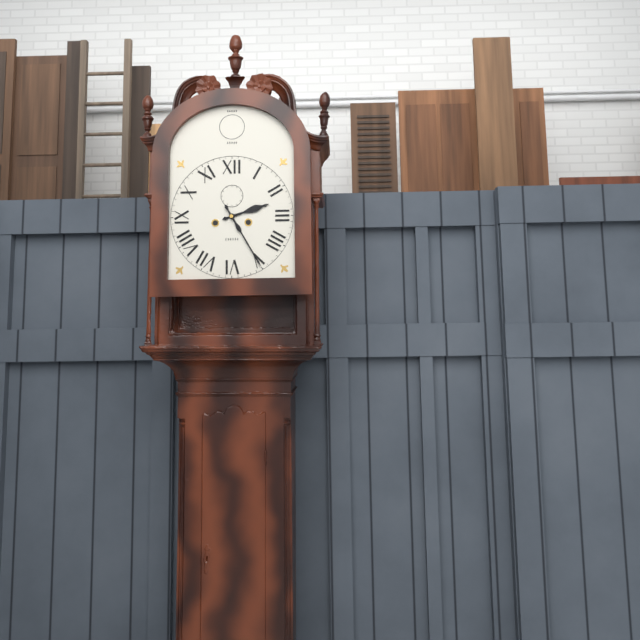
2:25
